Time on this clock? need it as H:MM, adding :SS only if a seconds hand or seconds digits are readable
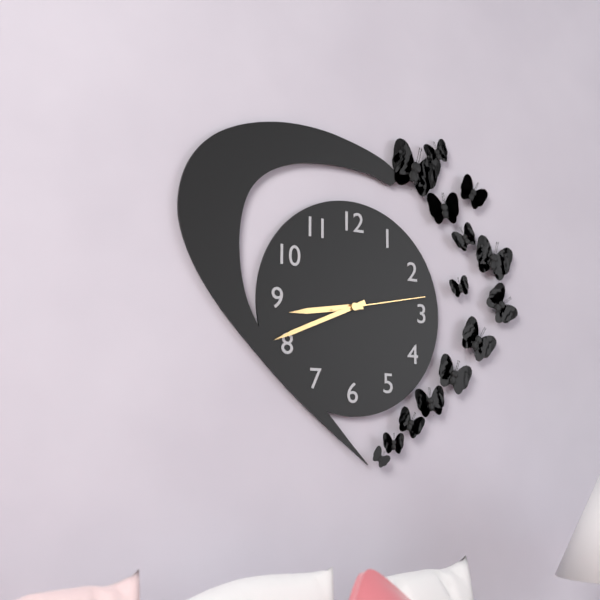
8:41:13
